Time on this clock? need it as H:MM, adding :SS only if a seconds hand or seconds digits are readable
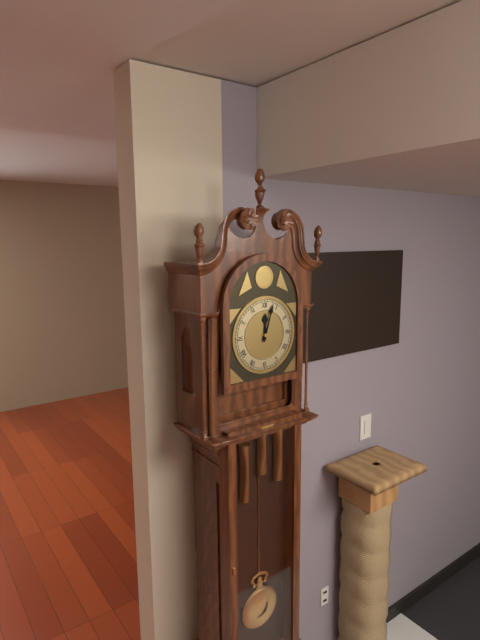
12:03
